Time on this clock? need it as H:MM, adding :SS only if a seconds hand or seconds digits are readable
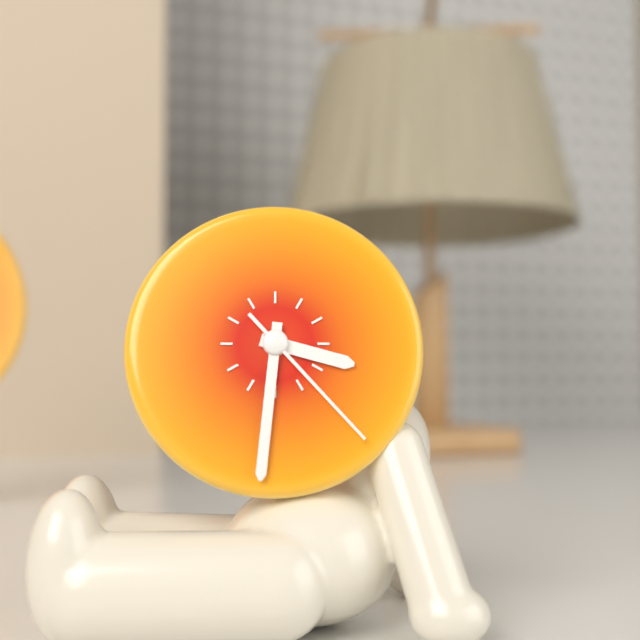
3:31:23
